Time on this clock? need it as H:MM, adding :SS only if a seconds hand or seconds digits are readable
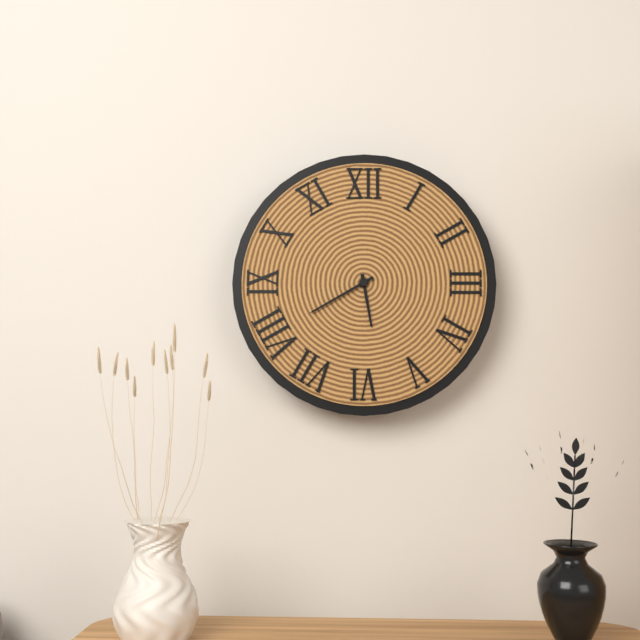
5:40
